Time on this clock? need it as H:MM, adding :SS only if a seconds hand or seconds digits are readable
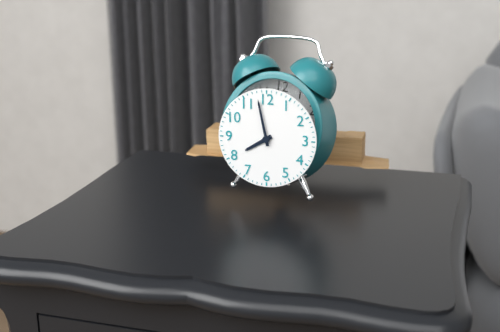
7:58
